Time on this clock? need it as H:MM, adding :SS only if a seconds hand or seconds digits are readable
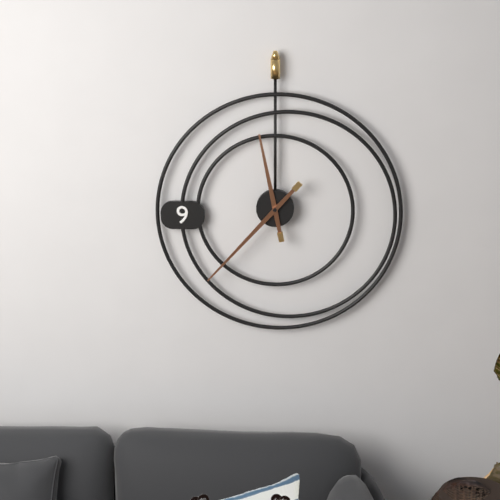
11:37
